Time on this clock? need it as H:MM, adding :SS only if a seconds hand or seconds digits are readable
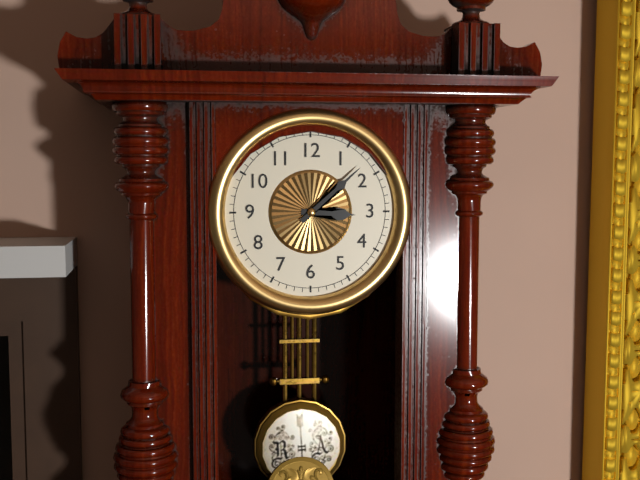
3:08
